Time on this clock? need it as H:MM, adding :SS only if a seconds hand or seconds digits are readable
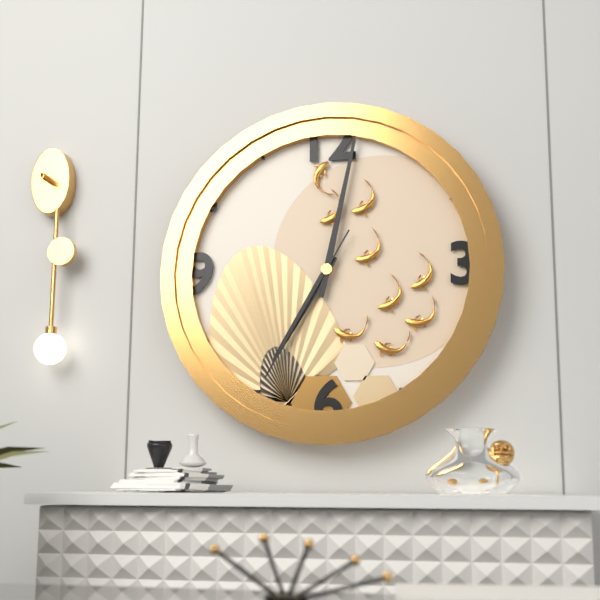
7:02:35
